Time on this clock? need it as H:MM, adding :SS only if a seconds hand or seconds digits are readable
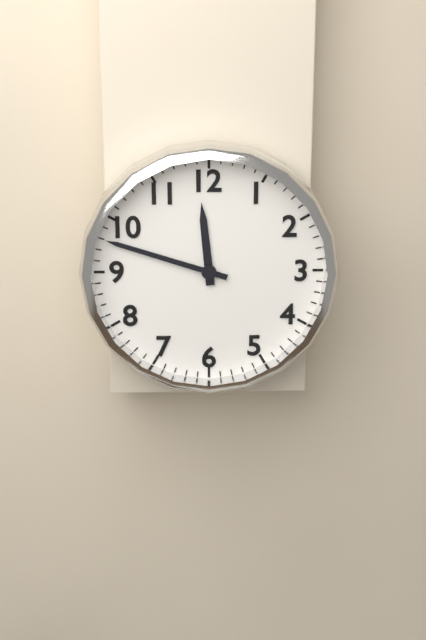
11:48
